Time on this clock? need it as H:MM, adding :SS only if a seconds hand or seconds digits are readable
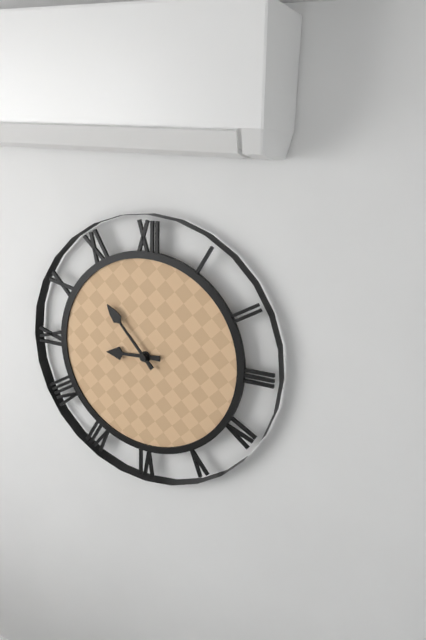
8:53
